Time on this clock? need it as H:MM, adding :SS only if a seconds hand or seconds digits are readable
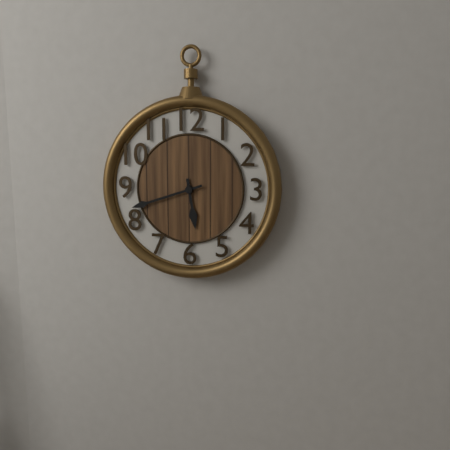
5:42
